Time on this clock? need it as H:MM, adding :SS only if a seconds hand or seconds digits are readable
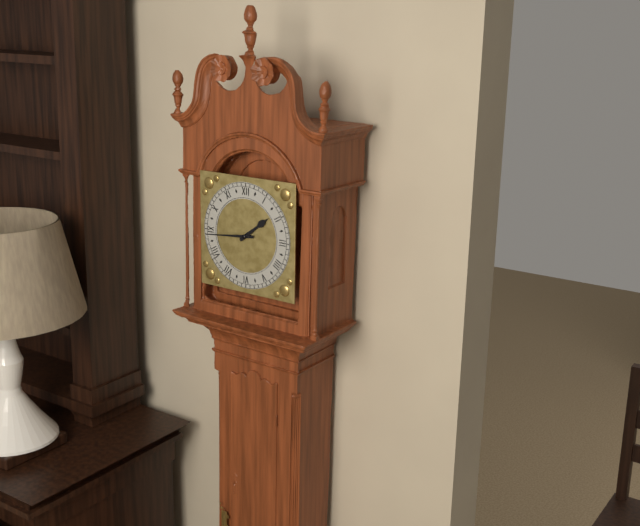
1:44
